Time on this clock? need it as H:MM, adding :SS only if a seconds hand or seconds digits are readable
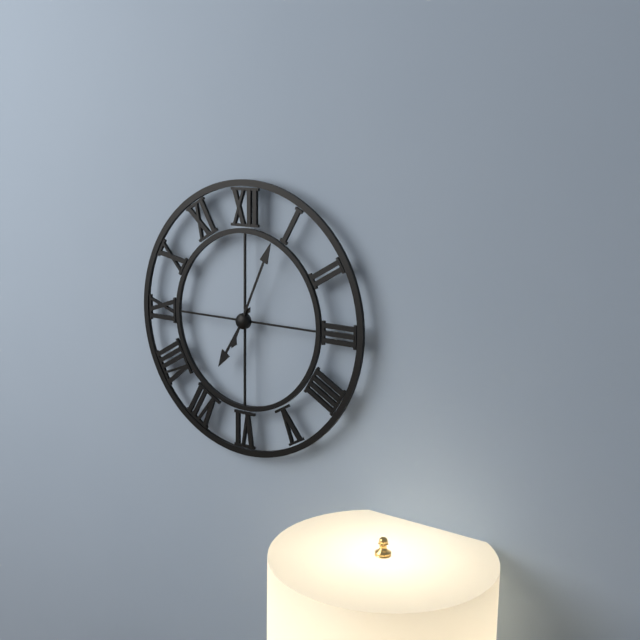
7:04
